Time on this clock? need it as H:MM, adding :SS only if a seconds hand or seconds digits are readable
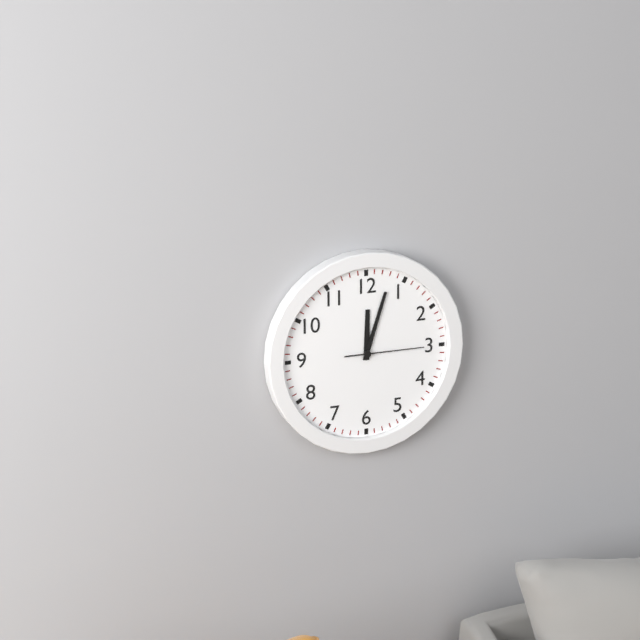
12:03:15
